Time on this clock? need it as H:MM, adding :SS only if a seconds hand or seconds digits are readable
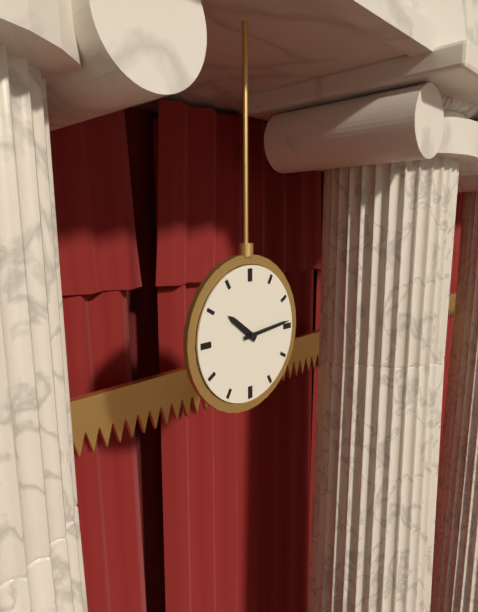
10:14
